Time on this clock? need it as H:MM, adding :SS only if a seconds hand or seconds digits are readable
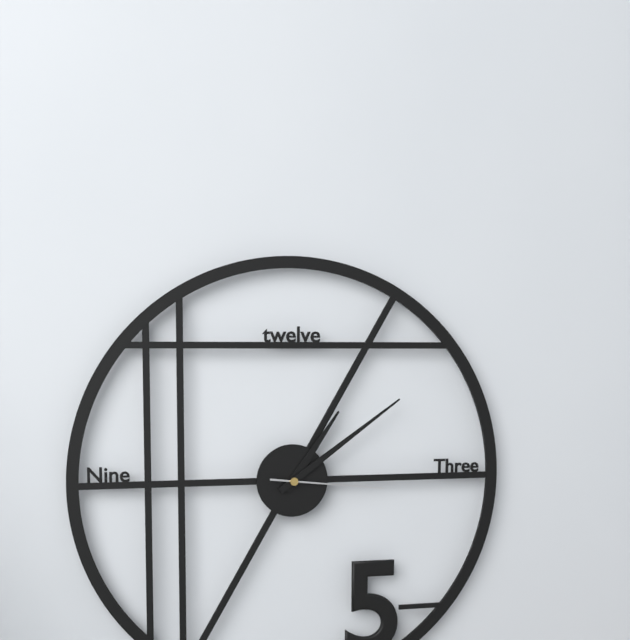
1:09:16
